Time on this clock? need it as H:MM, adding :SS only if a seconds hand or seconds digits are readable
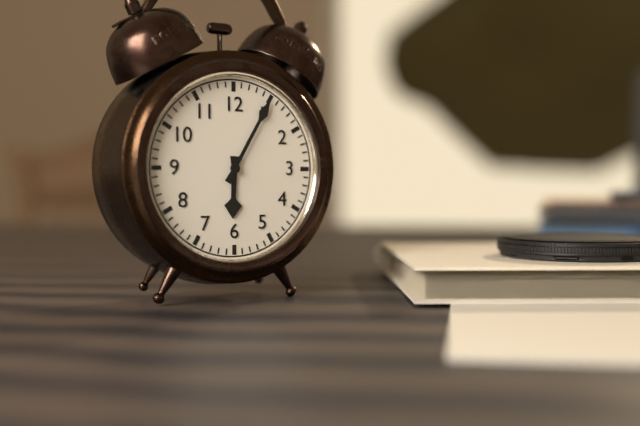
6:05
